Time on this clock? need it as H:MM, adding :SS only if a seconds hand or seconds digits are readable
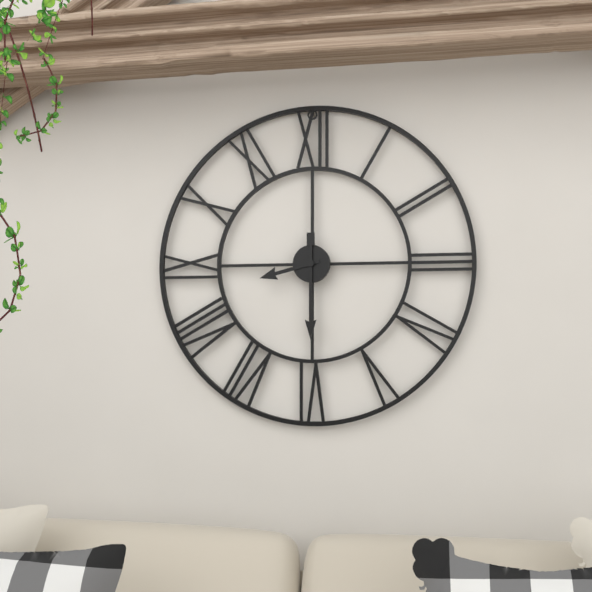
8:30
